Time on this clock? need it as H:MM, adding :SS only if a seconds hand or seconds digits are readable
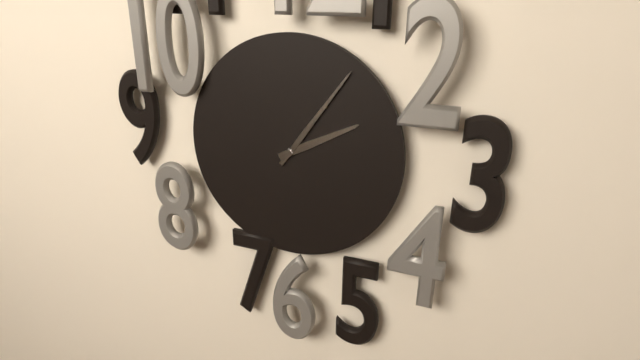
2:06
